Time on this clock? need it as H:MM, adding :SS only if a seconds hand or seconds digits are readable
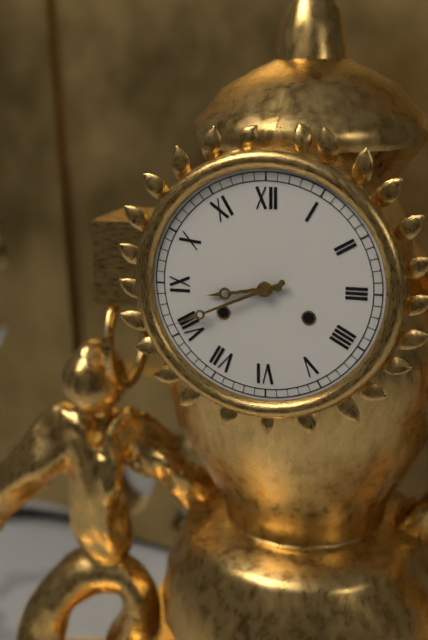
8:41
